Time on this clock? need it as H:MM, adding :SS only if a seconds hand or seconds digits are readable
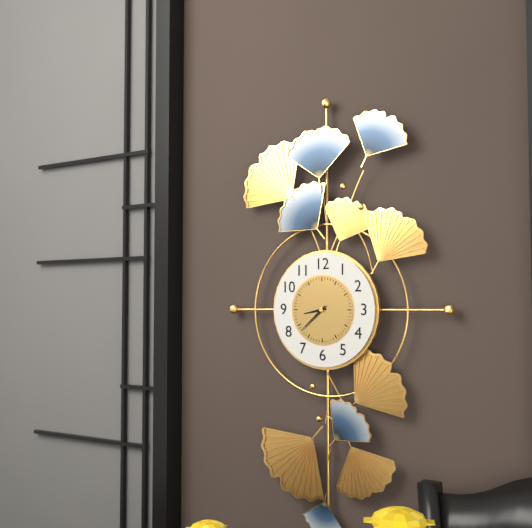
8:38
